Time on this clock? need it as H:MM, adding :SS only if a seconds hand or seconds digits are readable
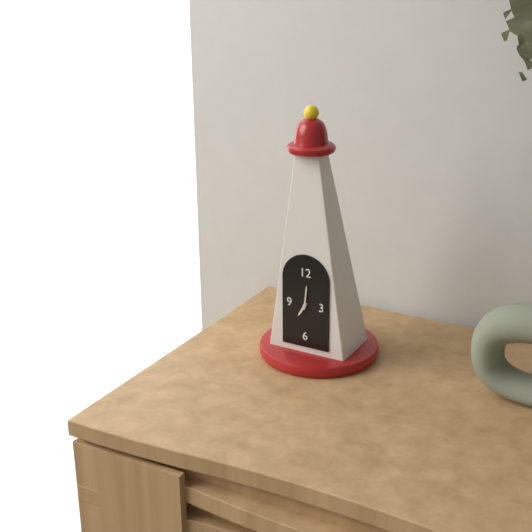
7:01
